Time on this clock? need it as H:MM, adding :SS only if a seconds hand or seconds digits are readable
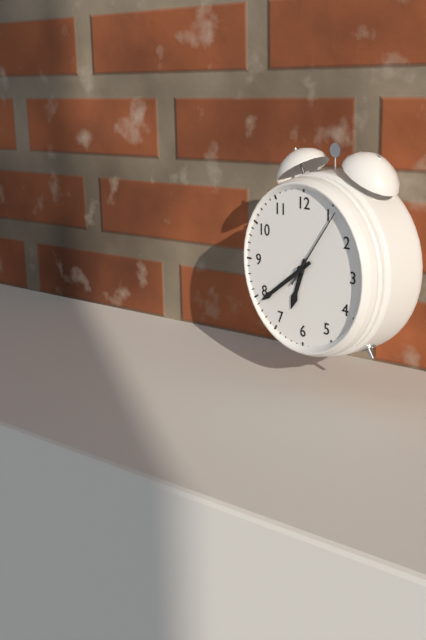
6:39:06
